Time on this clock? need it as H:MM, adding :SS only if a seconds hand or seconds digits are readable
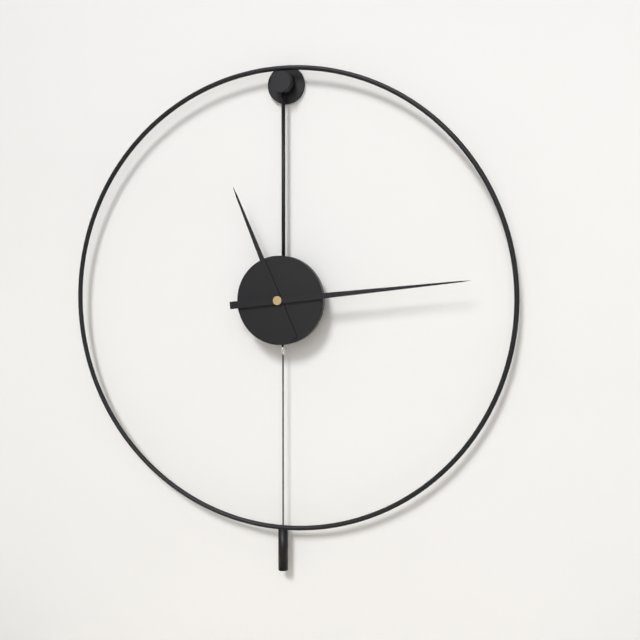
11:14
